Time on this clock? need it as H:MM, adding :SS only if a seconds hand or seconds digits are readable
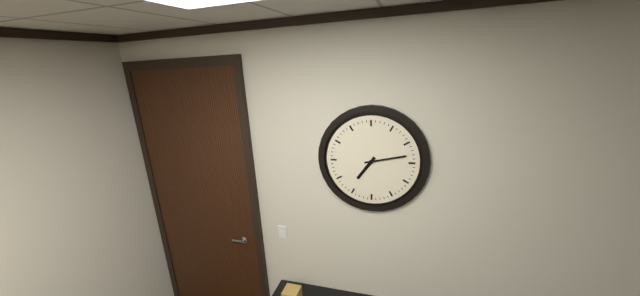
7:13
